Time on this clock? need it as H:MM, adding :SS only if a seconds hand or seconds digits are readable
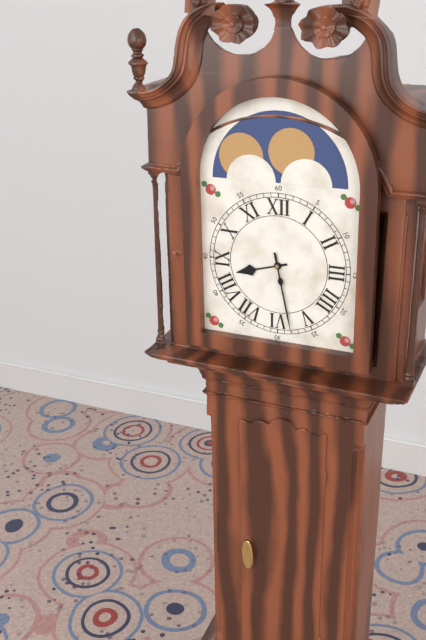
8:28
